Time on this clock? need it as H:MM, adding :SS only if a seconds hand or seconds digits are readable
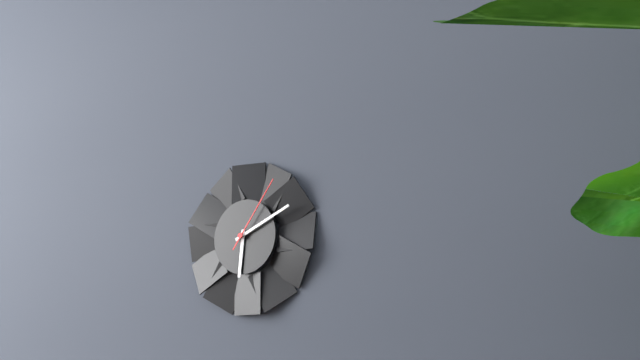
6:11:06
